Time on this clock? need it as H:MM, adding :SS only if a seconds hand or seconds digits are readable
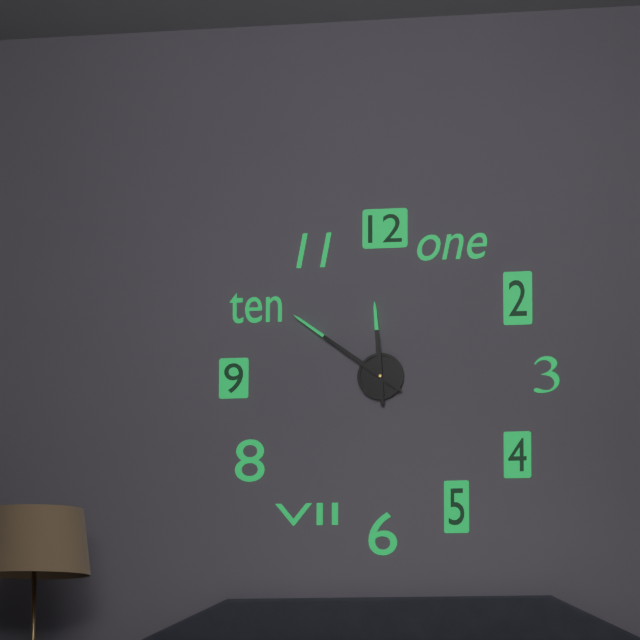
11:51
